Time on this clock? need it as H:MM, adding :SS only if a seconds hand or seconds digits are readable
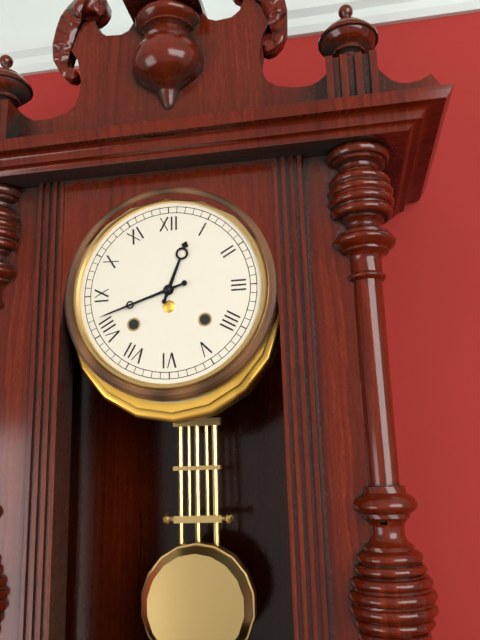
12:42
